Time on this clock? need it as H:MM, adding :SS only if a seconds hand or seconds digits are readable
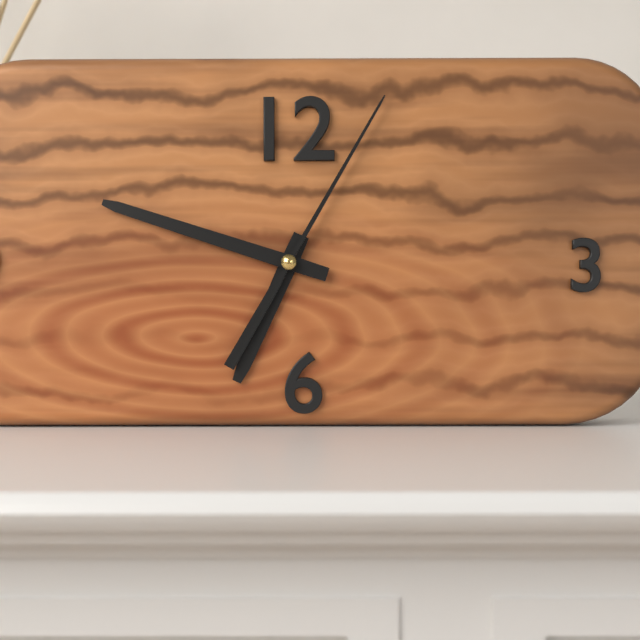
6:48:05
